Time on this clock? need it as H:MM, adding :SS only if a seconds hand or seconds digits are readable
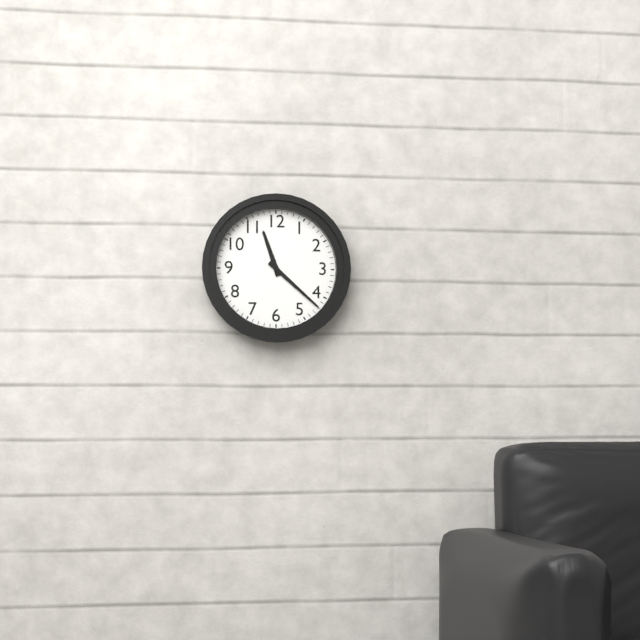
11:22
